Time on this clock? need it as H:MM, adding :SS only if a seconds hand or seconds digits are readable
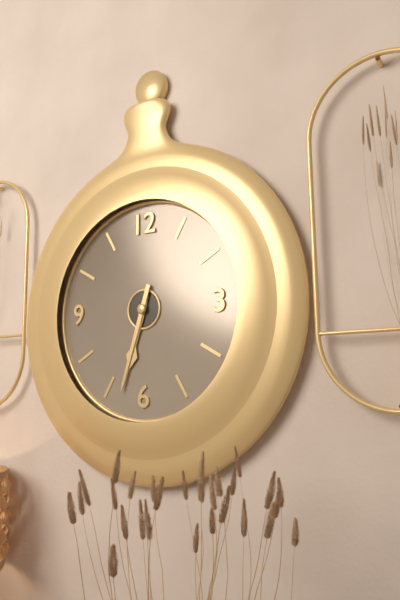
6:33
